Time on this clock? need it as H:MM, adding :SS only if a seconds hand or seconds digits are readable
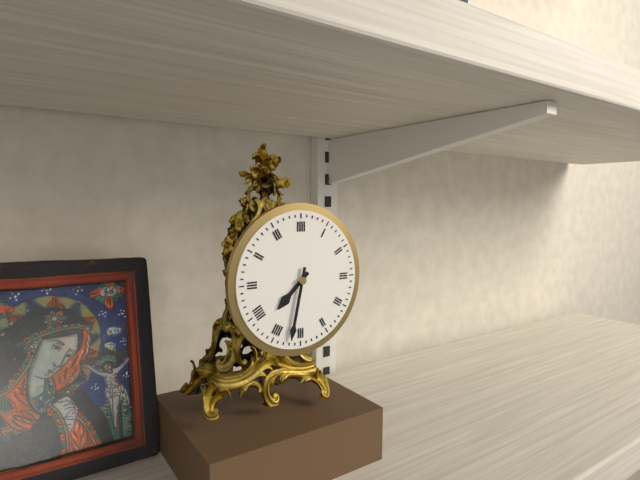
7:32
